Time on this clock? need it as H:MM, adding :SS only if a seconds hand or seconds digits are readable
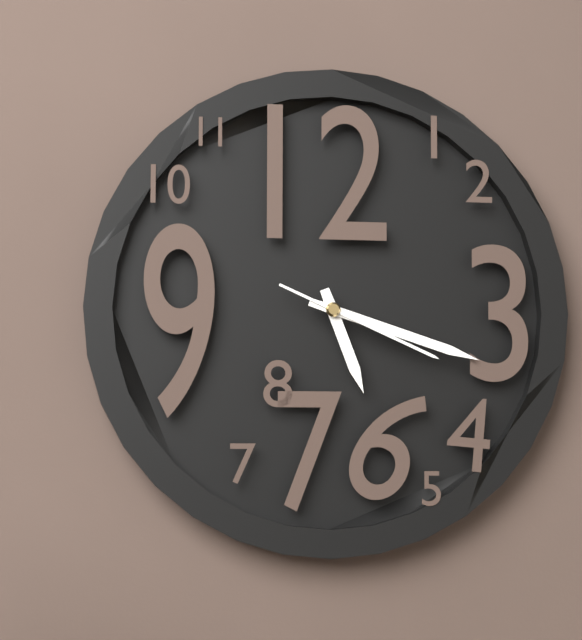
5:18:19
